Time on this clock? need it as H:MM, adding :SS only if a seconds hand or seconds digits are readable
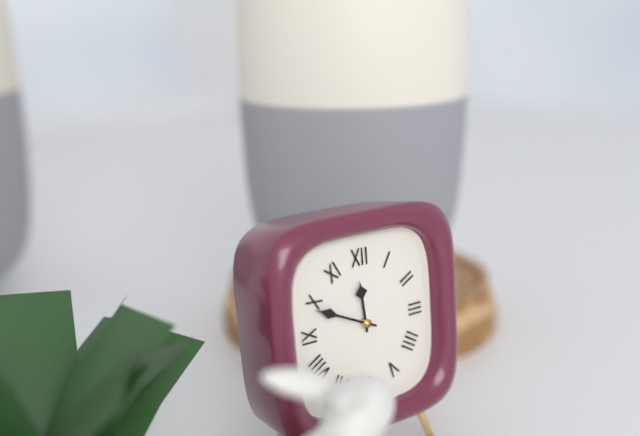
11:49
